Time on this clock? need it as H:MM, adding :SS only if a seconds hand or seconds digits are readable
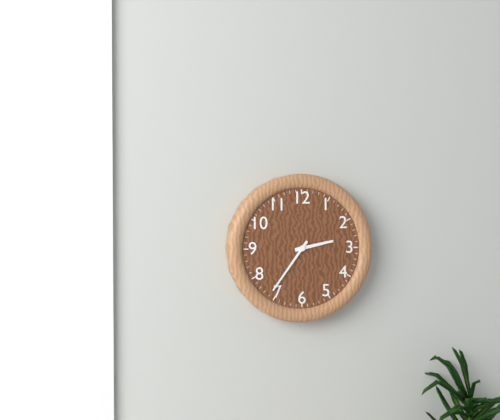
2:36
